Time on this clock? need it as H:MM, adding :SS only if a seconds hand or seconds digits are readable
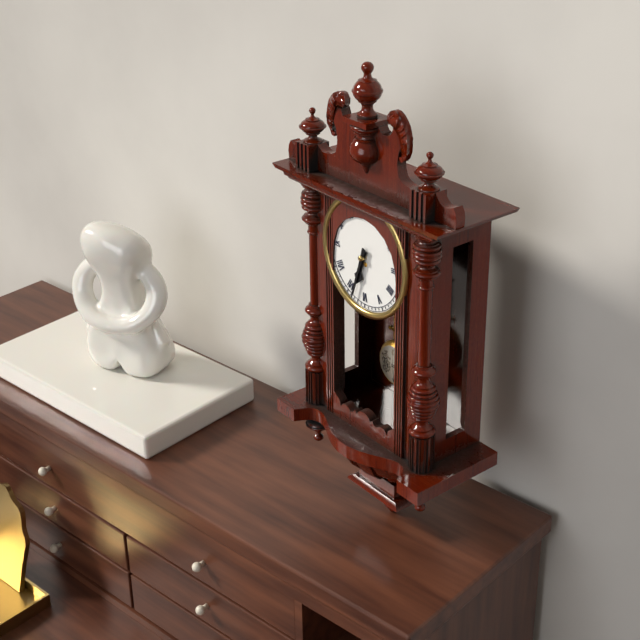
6:33
